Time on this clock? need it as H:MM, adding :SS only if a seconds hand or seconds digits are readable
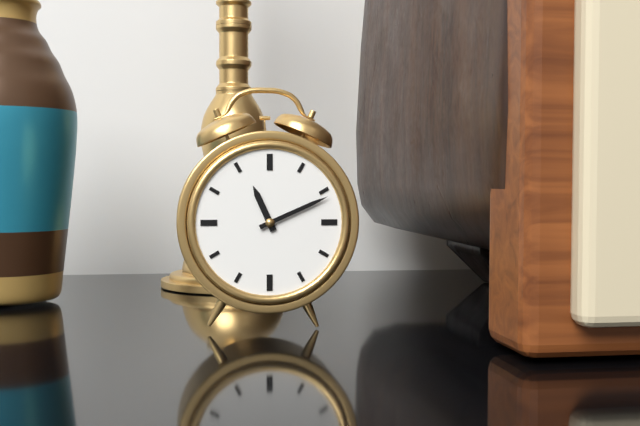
11:11
